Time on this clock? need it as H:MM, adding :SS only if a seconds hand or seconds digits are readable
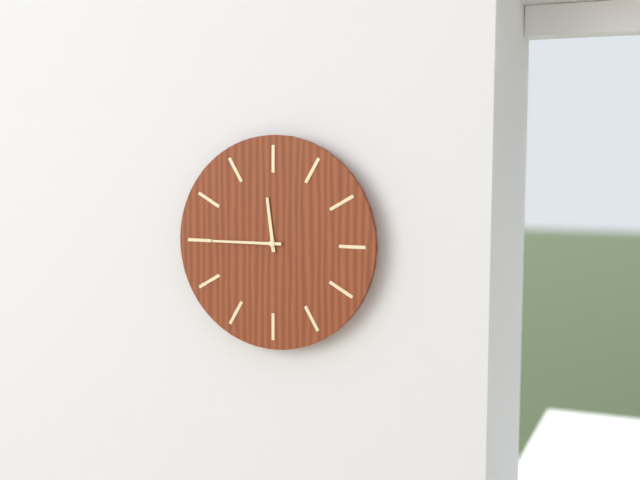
11:45
